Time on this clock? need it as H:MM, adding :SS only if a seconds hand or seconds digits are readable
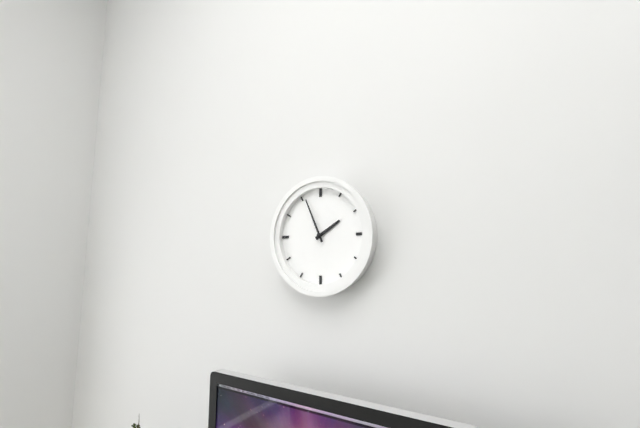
1:56
